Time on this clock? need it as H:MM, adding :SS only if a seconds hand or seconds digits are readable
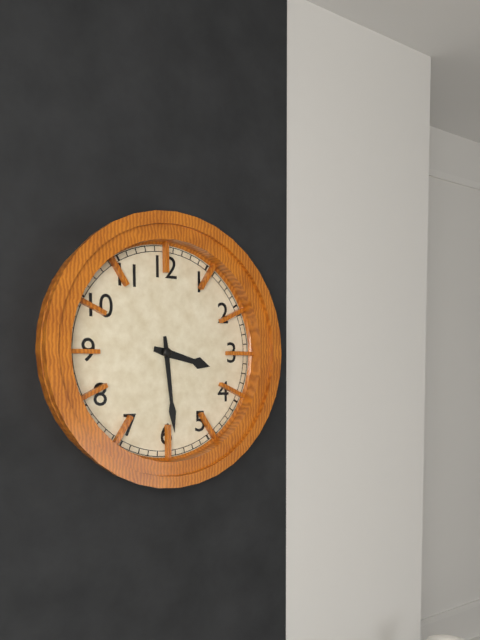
3:29
